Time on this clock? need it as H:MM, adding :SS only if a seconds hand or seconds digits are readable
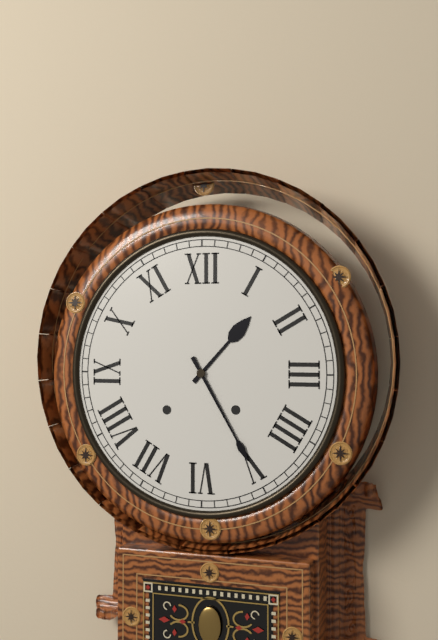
1:25
